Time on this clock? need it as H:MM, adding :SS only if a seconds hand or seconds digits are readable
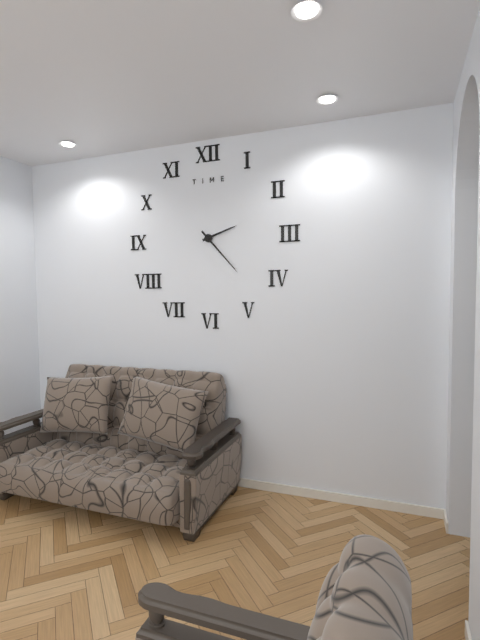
2:23
